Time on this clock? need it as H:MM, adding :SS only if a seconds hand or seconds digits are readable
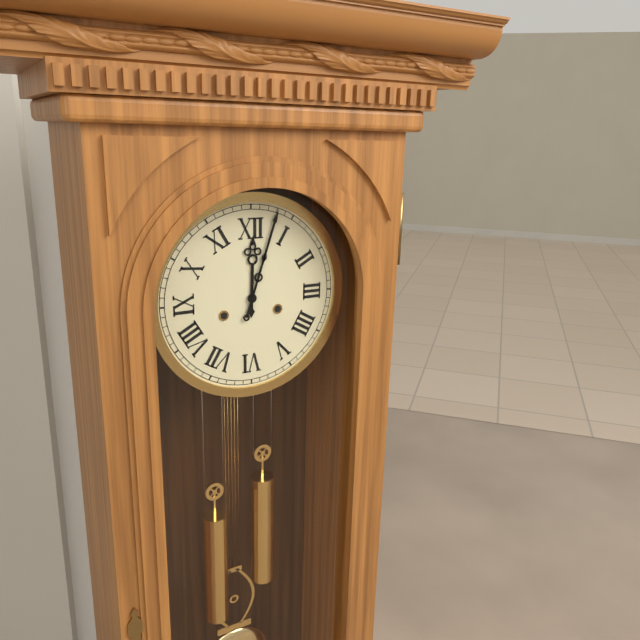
12:03
